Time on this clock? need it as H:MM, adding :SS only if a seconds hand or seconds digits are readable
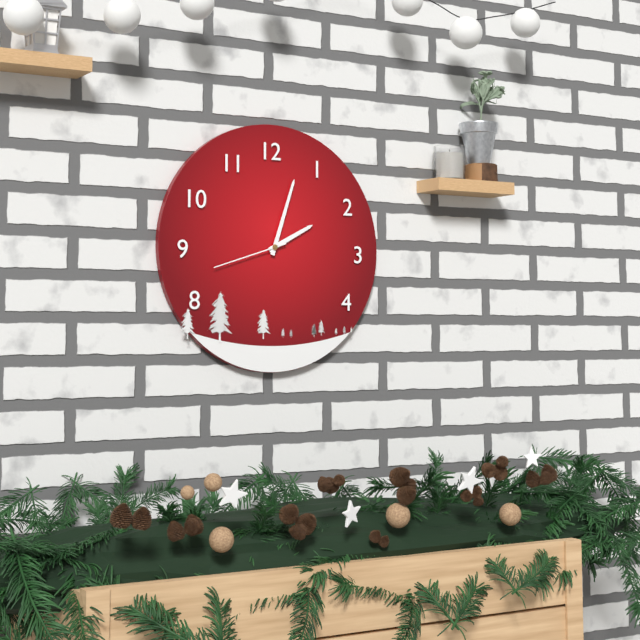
2:03:42
